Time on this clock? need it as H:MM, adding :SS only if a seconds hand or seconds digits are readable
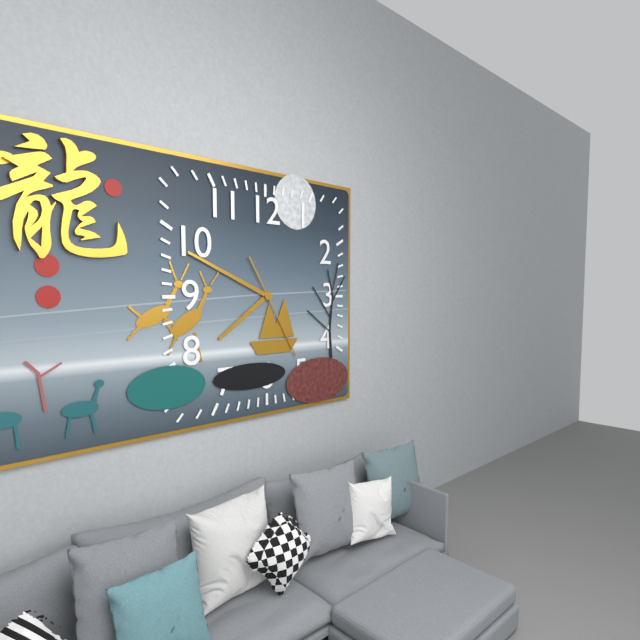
7:49:25
